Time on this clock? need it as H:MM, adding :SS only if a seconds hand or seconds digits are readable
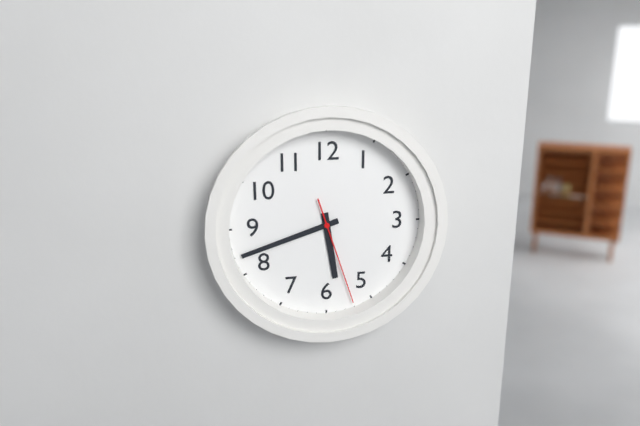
5:42:27
